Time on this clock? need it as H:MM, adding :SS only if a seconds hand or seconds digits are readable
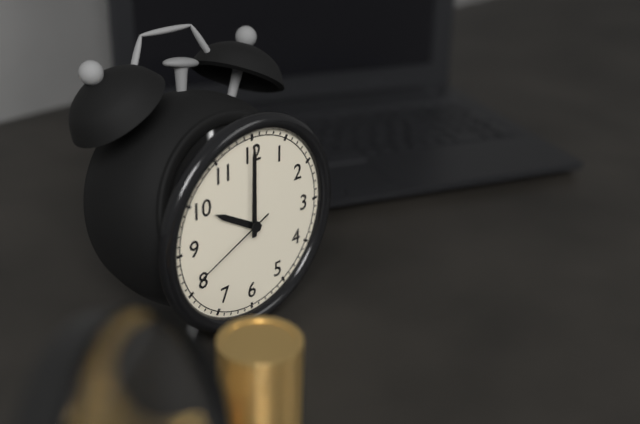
10:00:41
